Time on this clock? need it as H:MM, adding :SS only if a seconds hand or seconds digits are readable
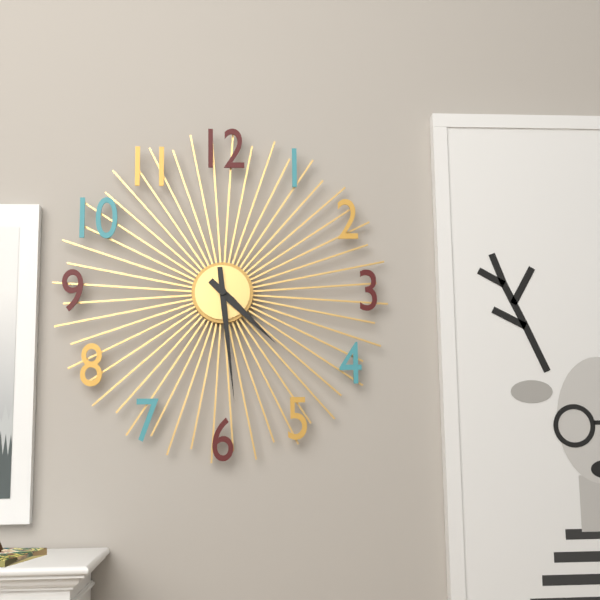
4:29
